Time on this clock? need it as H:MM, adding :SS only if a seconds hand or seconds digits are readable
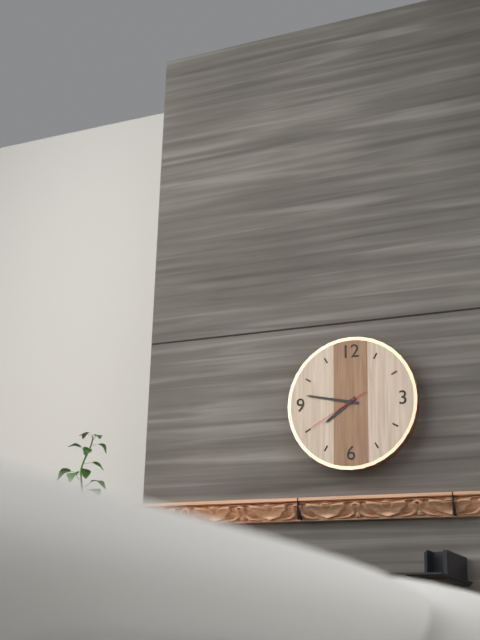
7:47:40
